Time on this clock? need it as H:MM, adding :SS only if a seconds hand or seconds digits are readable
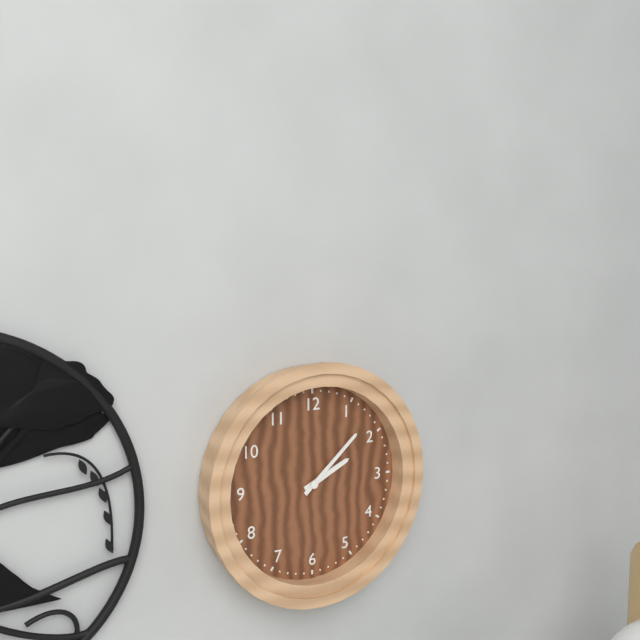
2:08
